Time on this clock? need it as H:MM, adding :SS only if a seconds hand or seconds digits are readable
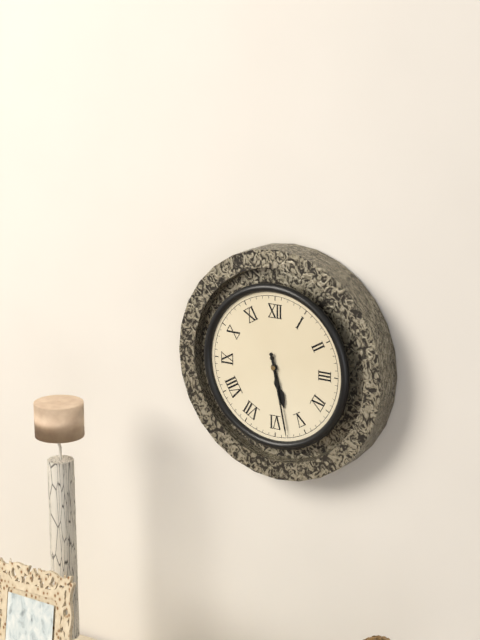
5:28
